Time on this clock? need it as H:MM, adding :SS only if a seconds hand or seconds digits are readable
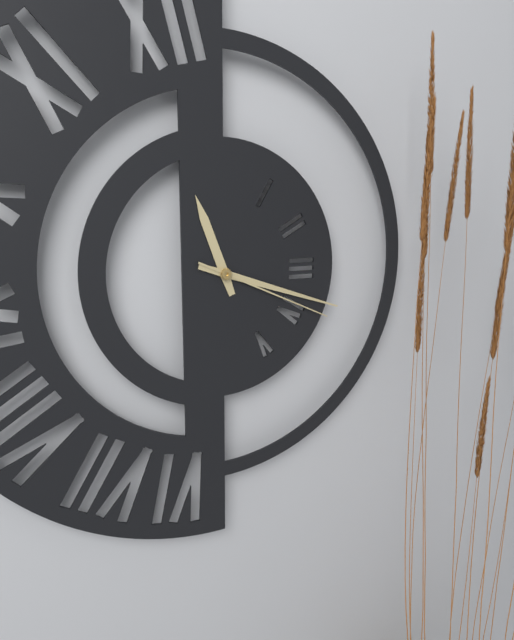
11:18:19
